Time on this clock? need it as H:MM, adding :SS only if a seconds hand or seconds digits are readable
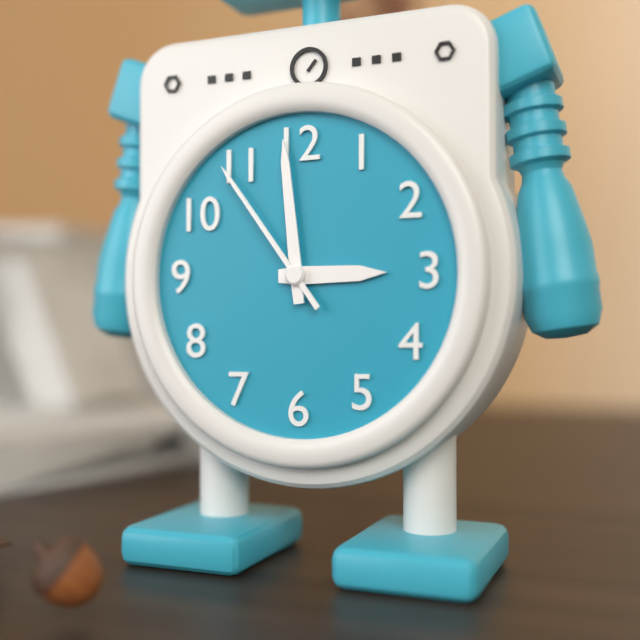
2:59:54
